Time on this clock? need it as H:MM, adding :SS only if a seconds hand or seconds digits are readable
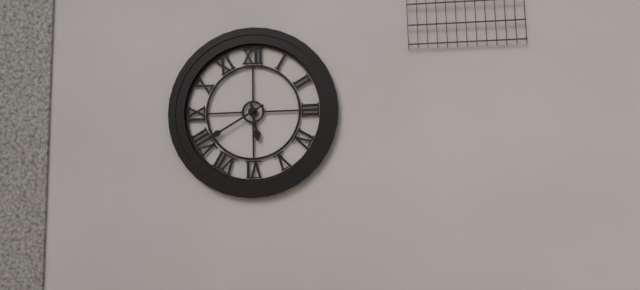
5:40
